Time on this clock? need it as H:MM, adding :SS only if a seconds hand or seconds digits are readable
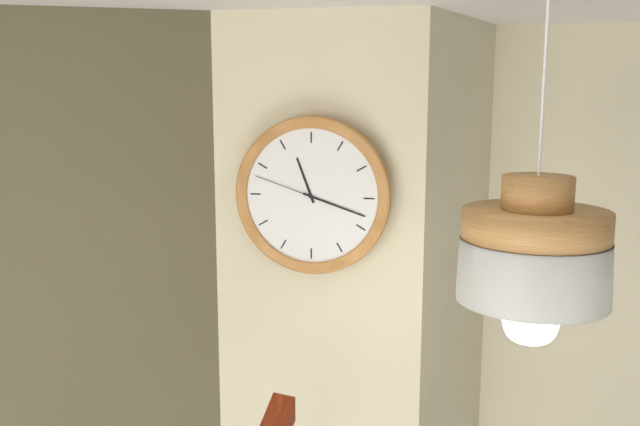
11:18:48
